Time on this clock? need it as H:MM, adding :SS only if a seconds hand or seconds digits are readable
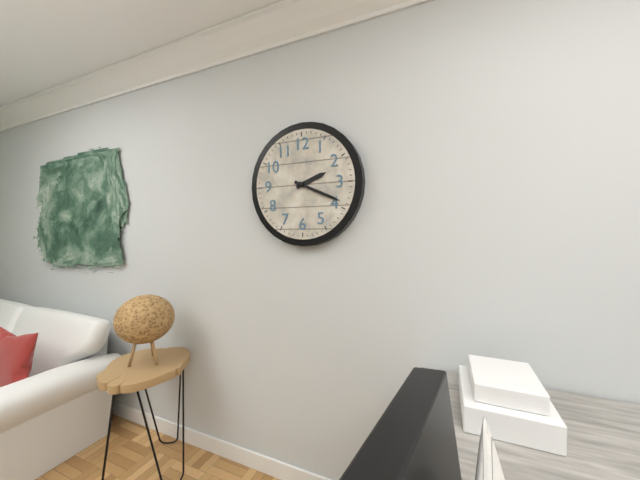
2:19
